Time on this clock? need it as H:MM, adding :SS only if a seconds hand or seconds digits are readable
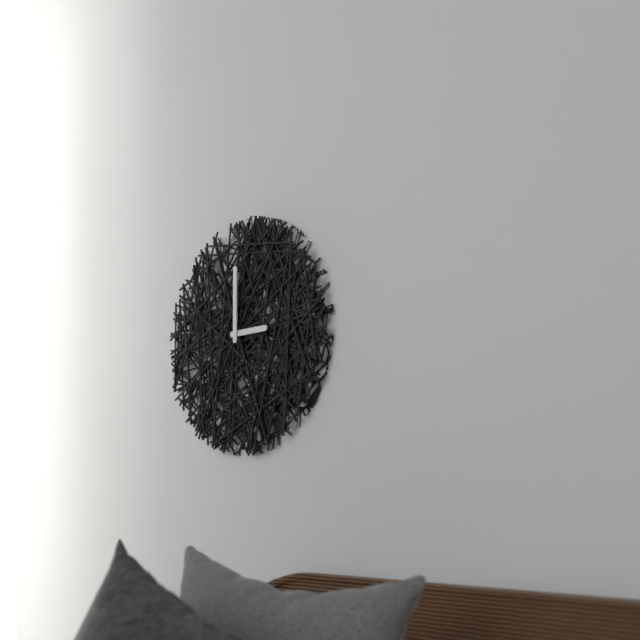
3:00
